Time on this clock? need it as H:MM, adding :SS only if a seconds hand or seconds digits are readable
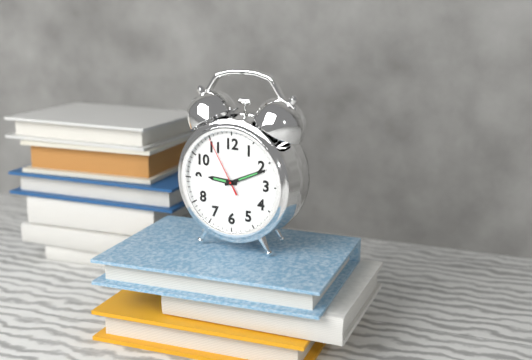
9:11:55
